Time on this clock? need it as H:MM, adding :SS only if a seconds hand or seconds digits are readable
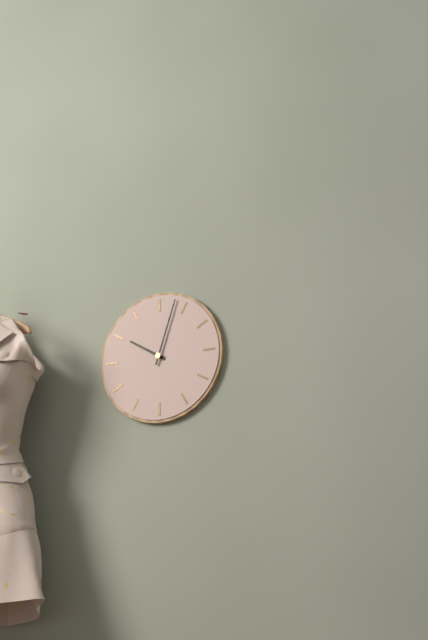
10:03
